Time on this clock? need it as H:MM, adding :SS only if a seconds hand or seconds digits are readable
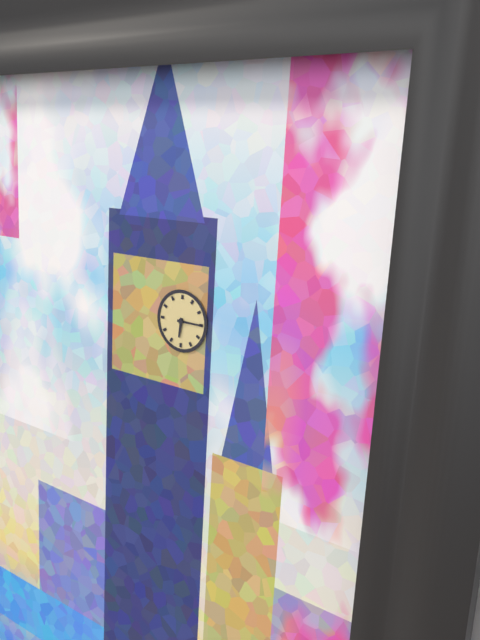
6:15
